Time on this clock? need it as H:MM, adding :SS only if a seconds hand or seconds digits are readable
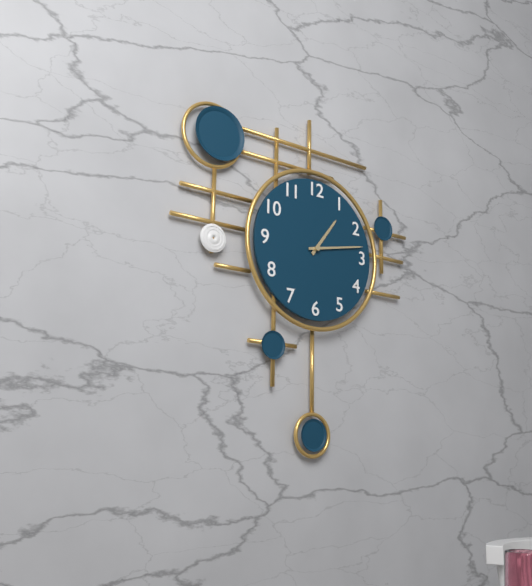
1:13
